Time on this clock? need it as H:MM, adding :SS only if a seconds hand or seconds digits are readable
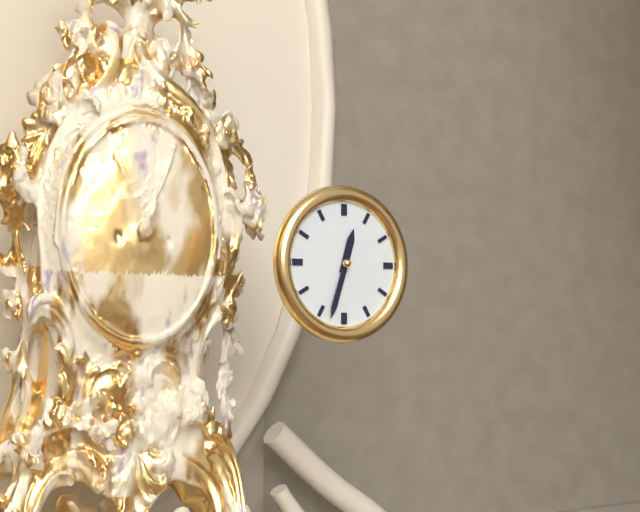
12:33
